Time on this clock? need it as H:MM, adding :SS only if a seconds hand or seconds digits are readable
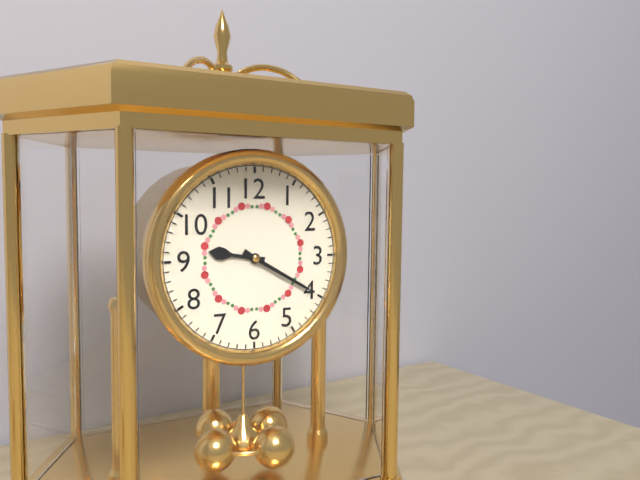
9:20
